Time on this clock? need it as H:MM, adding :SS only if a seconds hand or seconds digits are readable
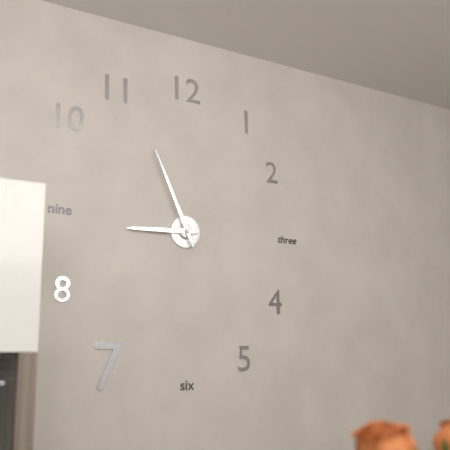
8:56
